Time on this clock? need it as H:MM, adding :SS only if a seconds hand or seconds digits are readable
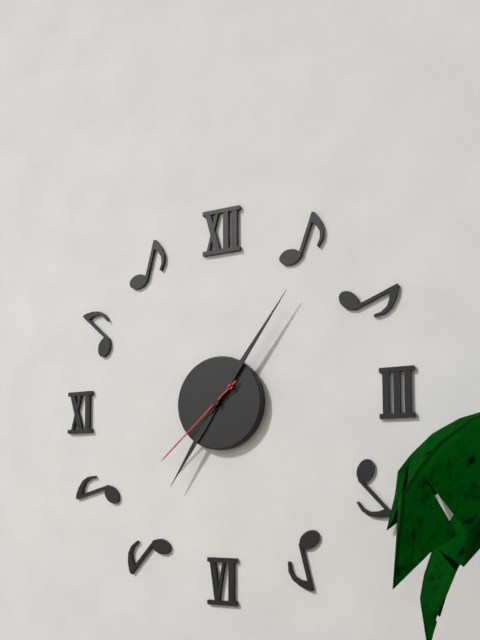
7:06:38
